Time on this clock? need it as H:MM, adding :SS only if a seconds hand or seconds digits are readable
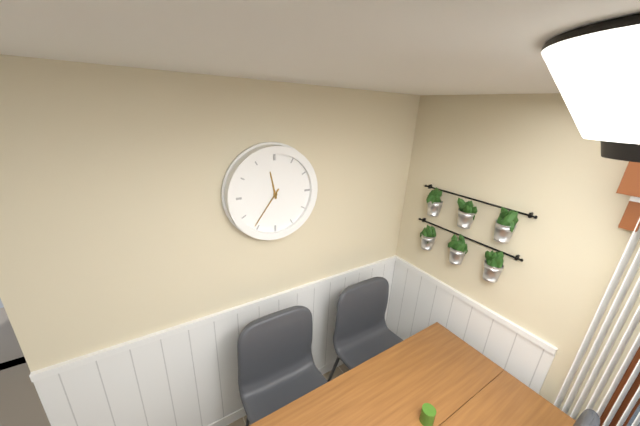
11:36
